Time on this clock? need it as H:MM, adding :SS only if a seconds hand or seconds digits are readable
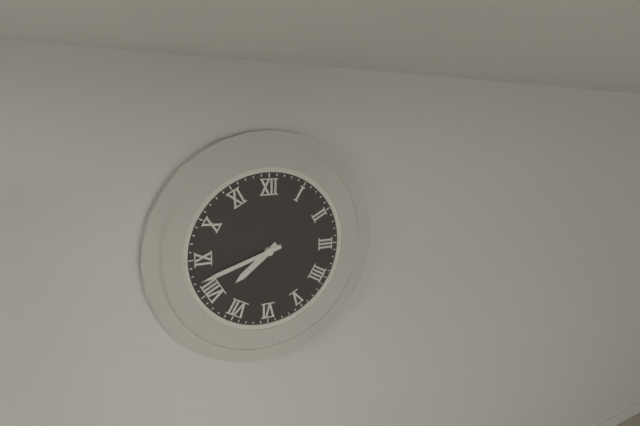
7:42
